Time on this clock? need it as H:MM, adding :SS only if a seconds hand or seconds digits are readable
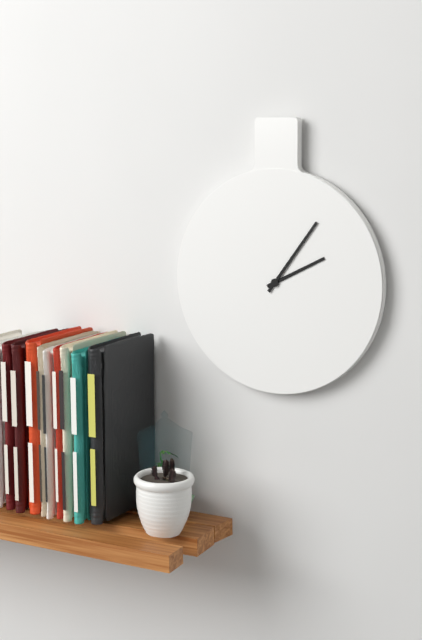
2:06
